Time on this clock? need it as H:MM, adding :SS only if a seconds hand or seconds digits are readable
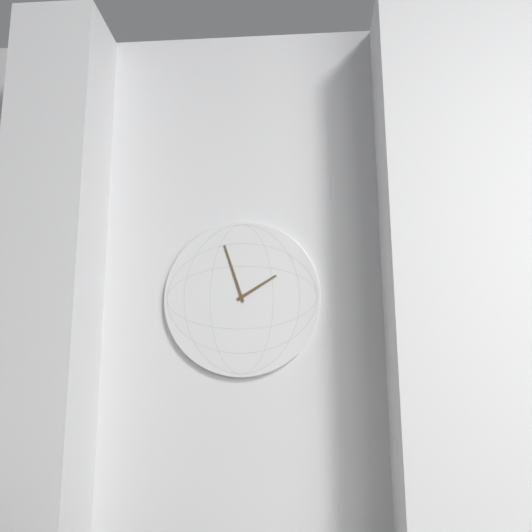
1:57
